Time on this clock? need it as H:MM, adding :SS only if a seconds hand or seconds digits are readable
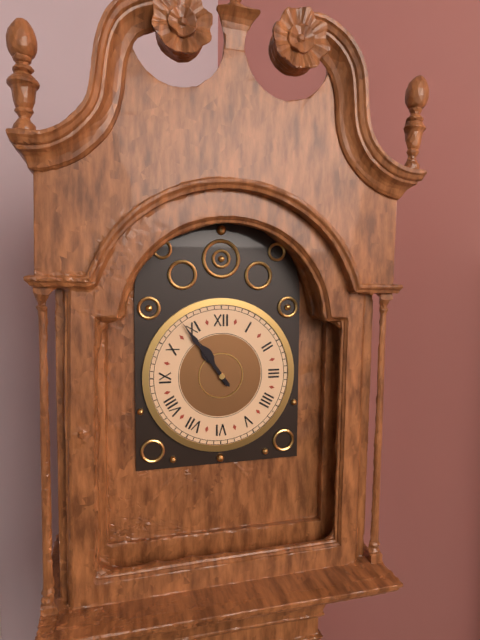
10:54
